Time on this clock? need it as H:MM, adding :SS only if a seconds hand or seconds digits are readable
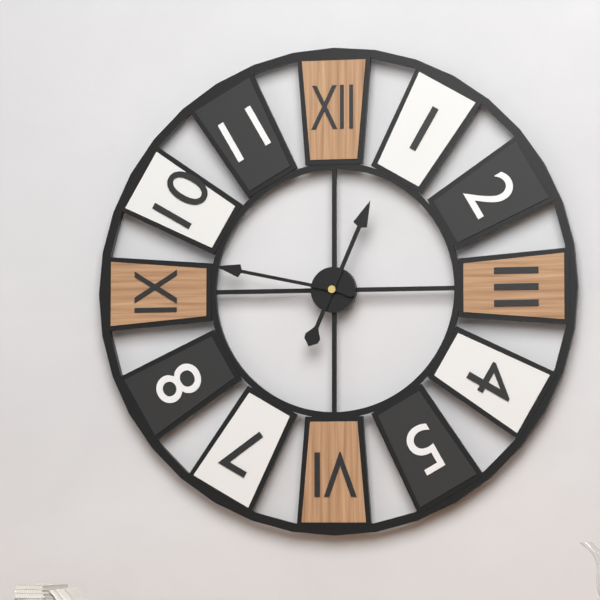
12:47
